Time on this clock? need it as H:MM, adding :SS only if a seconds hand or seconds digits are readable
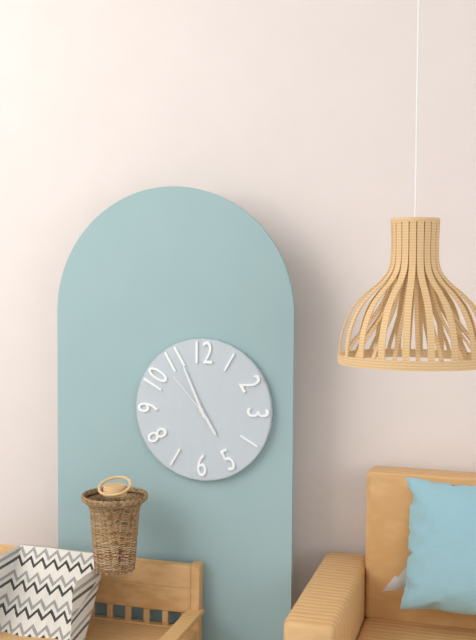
4:56:53
